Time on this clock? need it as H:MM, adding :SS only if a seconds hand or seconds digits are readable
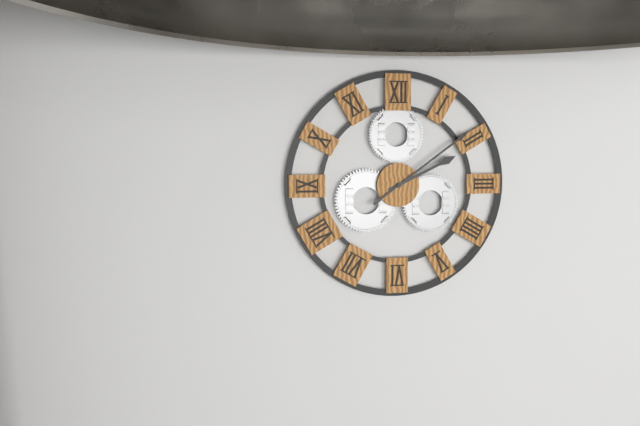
2:09
